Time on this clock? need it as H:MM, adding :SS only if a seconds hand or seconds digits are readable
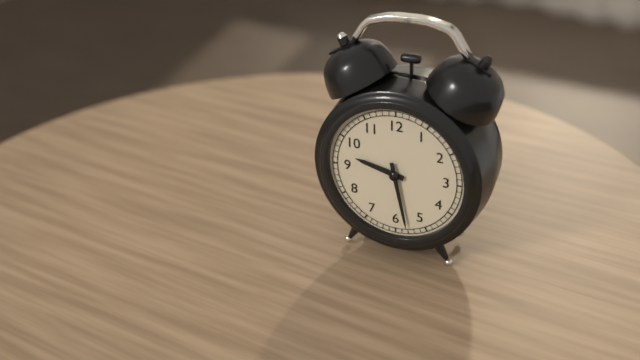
9:28
